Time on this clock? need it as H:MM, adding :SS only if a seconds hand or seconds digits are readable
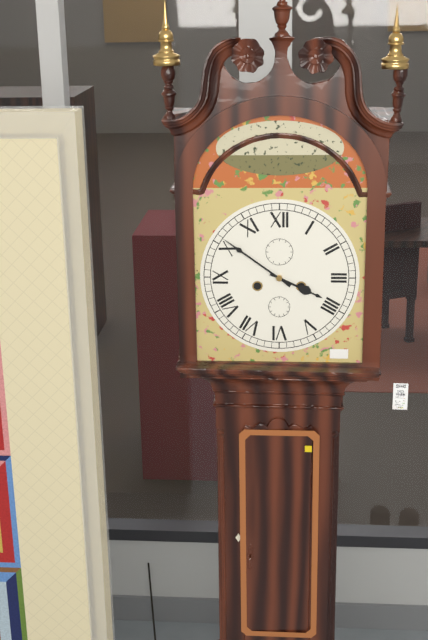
3:51
